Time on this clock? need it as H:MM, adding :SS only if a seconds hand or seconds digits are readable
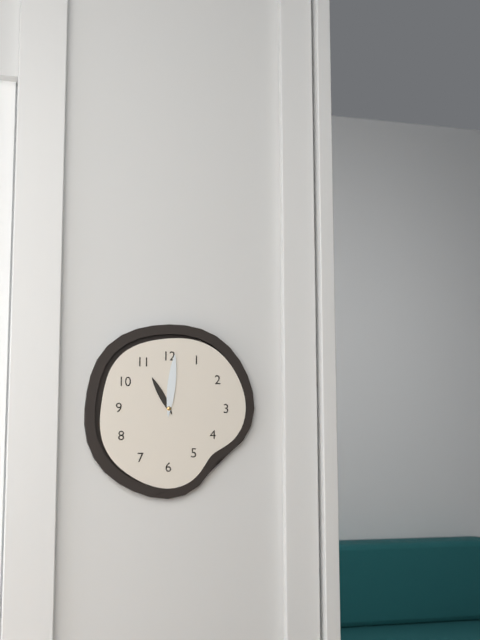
11:01
